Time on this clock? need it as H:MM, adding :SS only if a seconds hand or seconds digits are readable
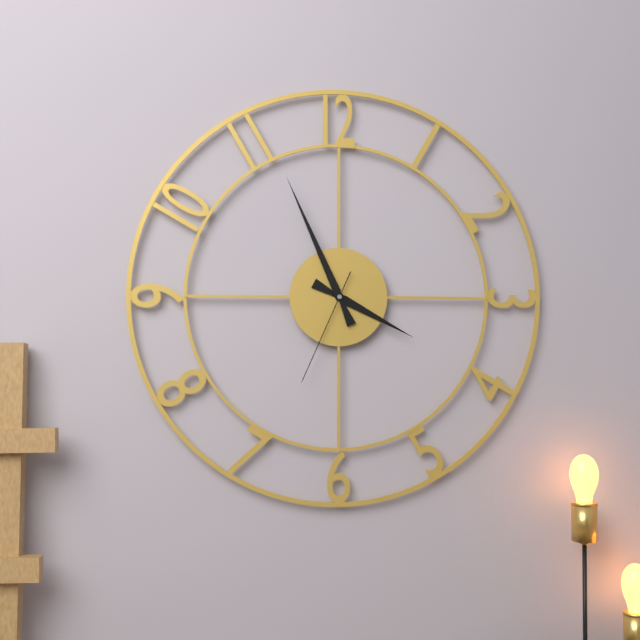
3:56:34
